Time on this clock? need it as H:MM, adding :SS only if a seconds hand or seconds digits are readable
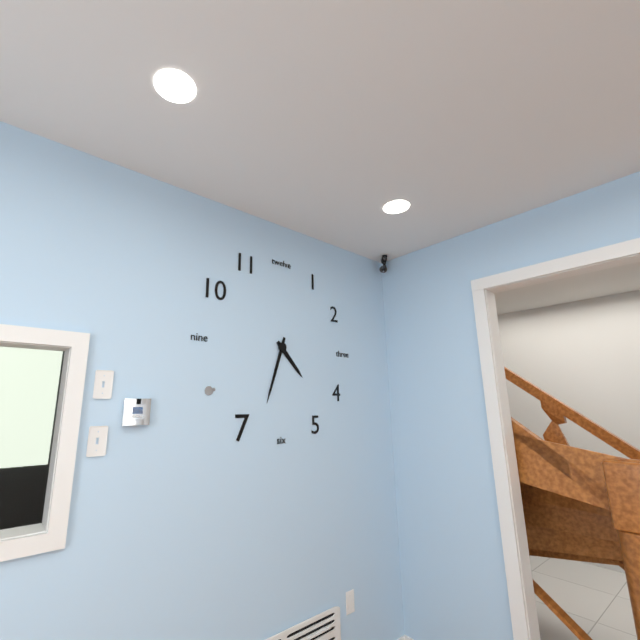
4:33
